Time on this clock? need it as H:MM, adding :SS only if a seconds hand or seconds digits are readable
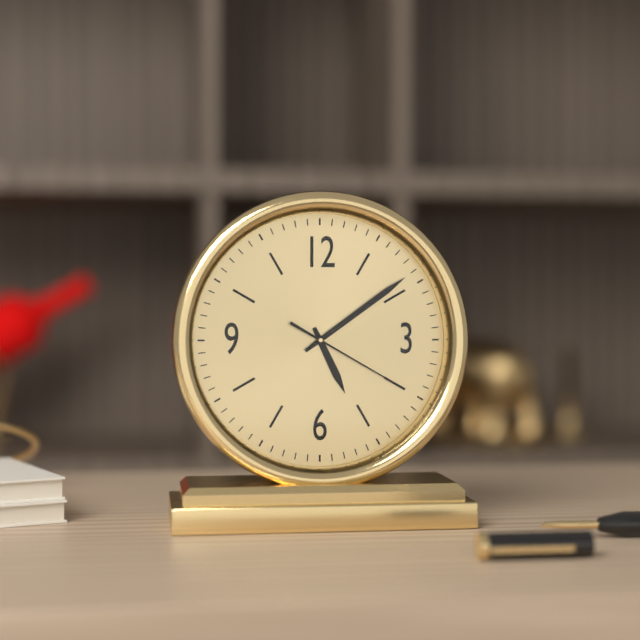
5:09:20
